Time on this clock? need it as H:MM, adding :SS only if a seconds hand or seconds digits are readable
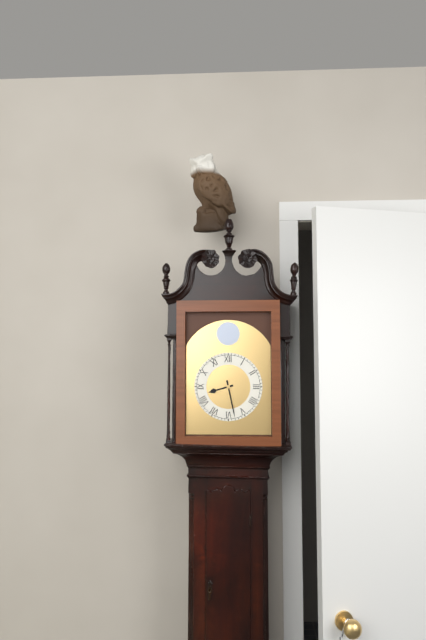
8:28
